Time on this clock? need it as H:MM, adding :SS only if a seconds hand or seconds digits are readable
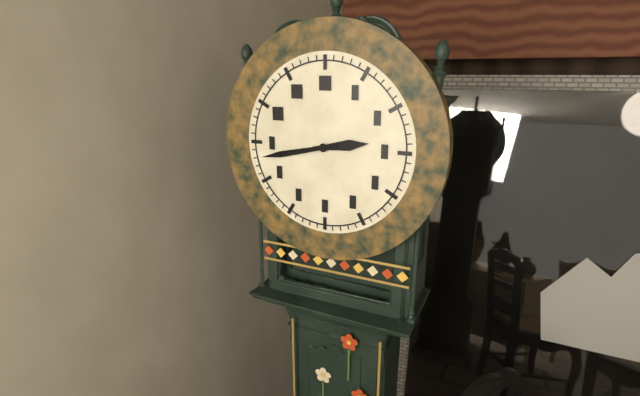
2:43
